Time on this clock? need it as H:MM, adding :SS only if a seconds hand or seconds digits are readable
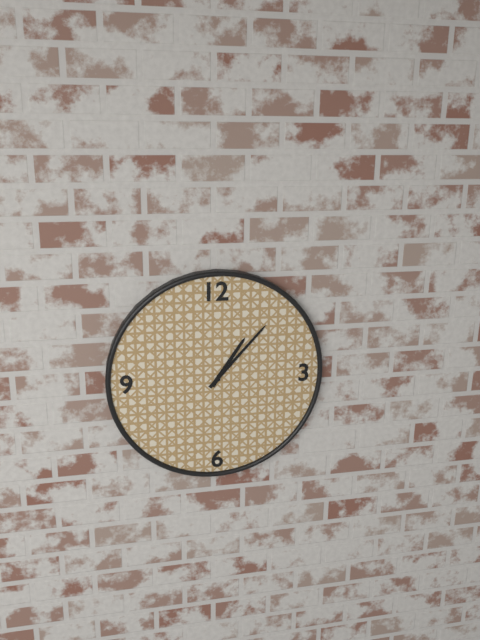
1:07
